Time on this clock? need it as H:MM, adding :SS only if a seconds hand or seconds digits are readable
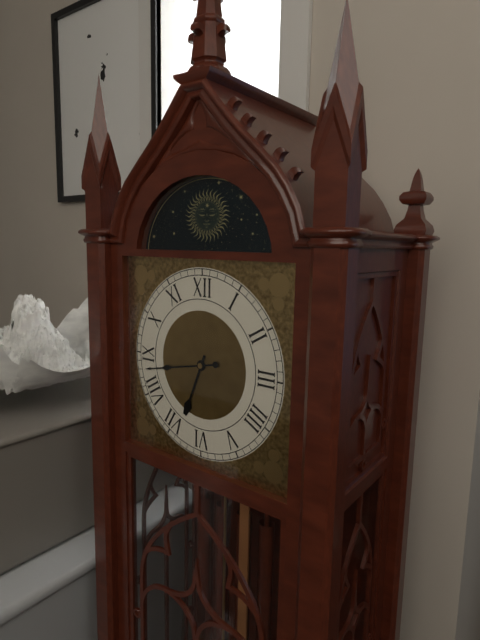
6:43
